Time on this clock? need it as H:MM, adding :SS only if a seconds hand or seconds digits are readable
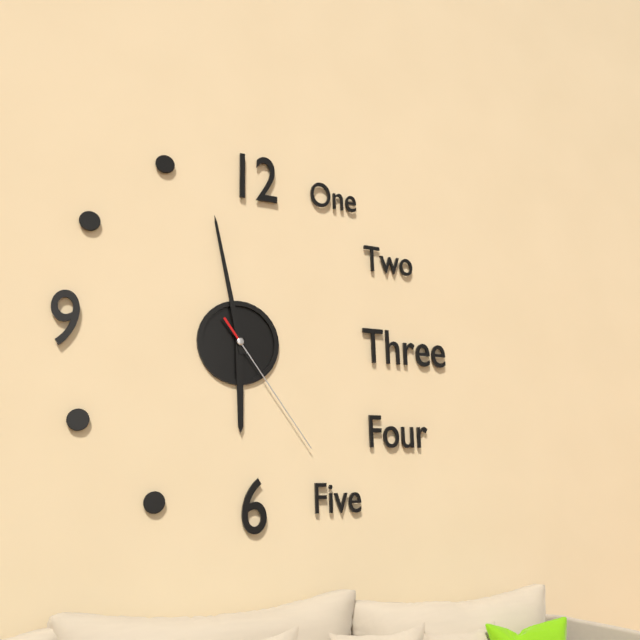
5:58:24
